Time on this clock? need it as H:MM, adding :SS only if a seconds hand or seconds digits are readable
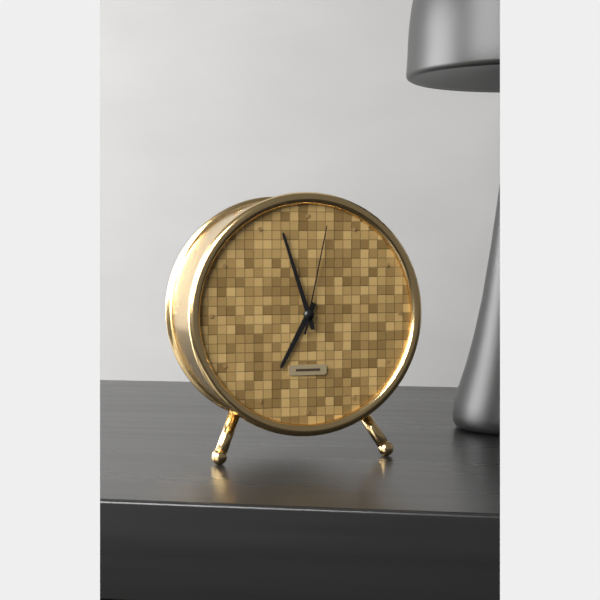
6:57:02
